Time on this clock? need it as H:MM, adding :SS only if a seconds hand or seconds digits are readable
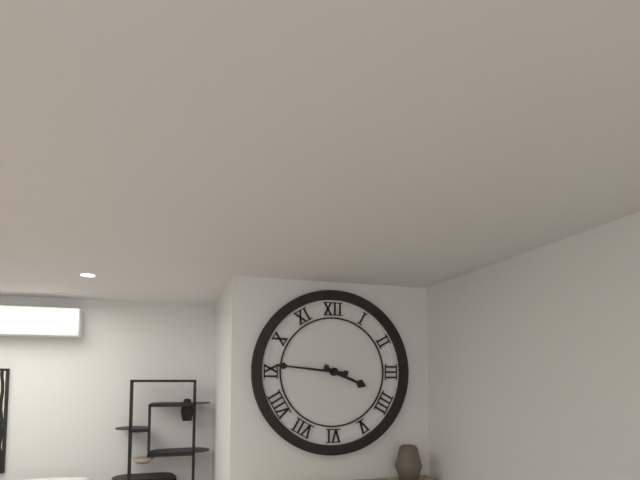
3:46
